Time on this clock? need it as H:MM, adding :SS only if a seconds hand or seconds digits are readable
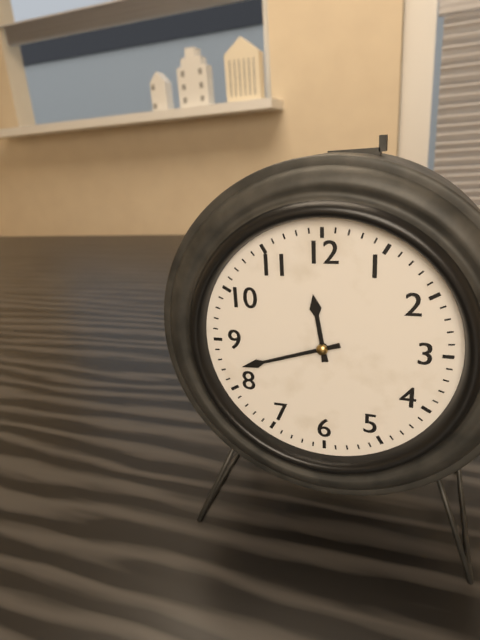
11:42
